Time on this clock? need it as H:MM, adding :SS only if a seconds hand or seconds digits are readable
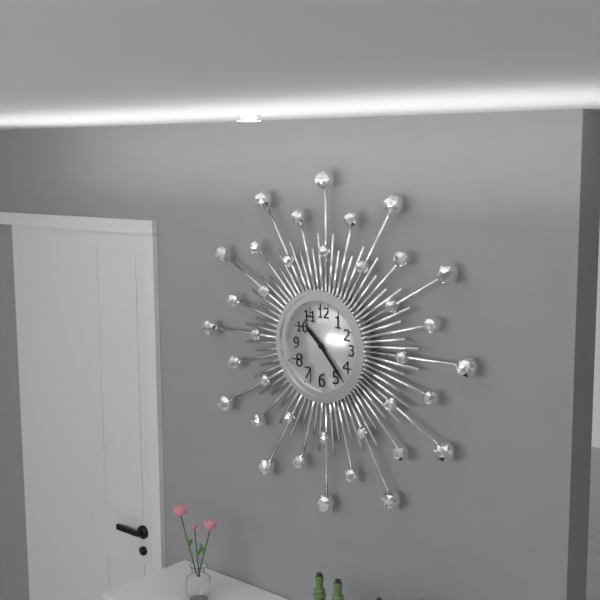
10:23
